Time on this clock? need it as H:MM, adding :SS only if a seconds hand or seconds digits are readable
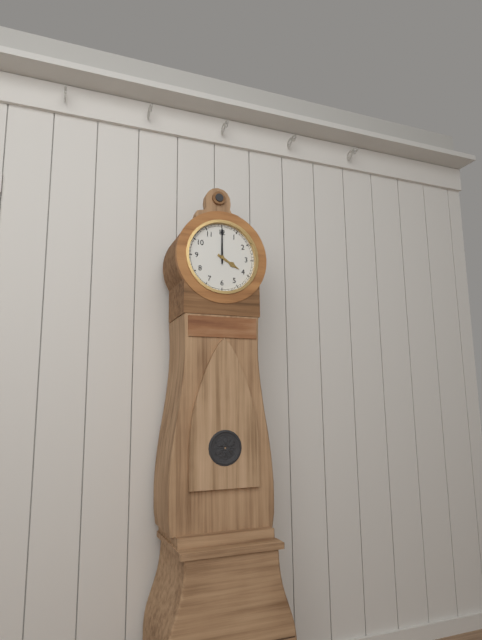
4:00
